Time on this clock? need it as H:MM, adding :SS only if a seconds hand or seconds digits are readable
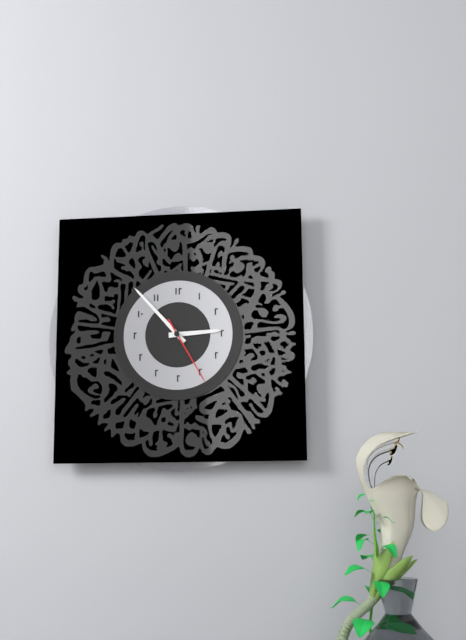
2:53:25
